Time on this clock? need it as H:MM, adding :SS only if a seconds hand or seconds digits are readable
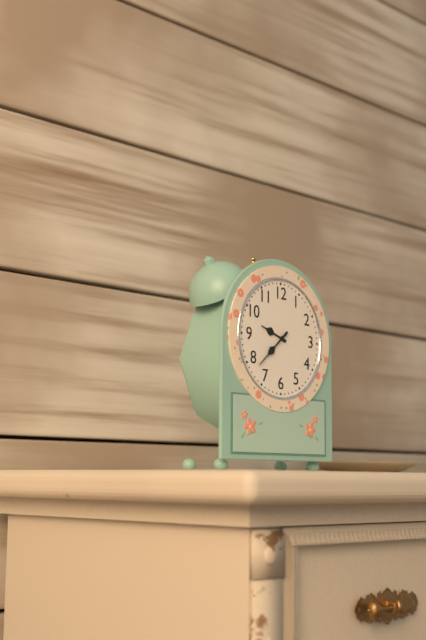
9:38
